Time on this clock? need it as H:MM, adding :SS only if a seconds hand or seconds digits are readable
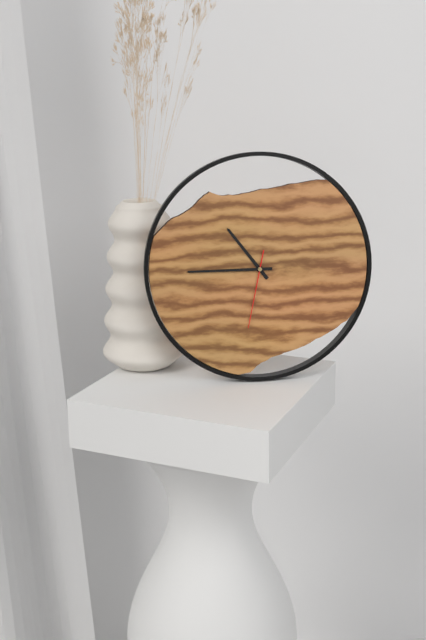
10:45:32
